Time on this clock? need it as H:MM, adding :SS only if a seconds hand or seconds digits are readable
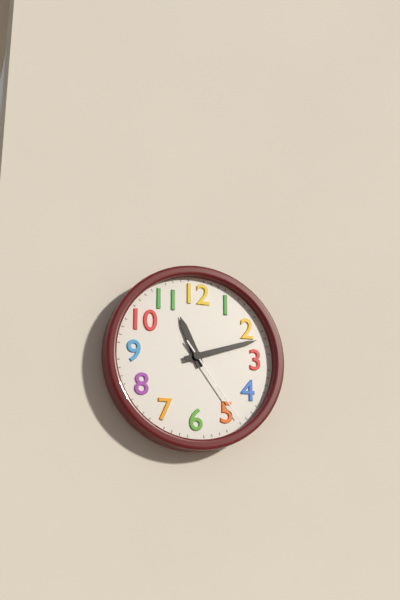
11:12:24
